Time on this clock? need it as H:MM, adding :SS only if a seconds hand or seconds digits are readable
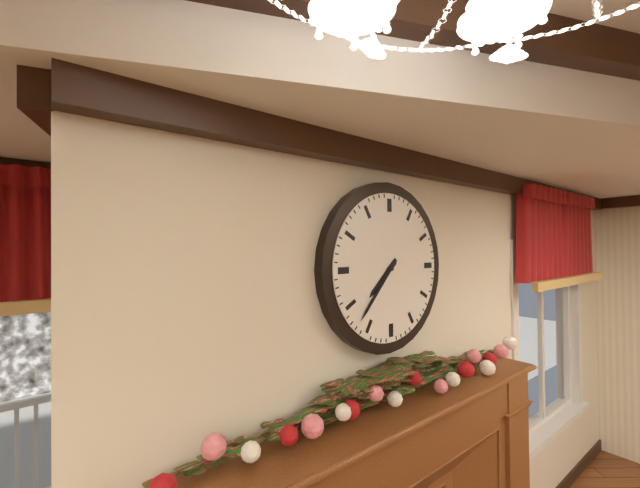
7:37
